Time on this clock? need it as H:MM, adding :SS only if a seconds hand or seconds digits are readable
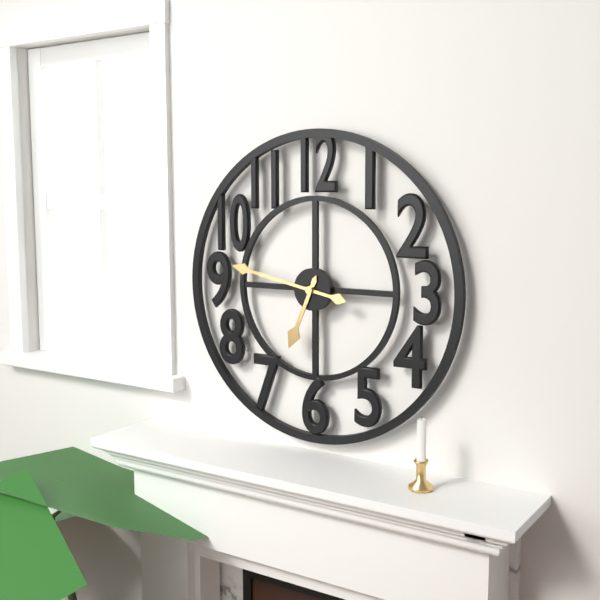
6:47
